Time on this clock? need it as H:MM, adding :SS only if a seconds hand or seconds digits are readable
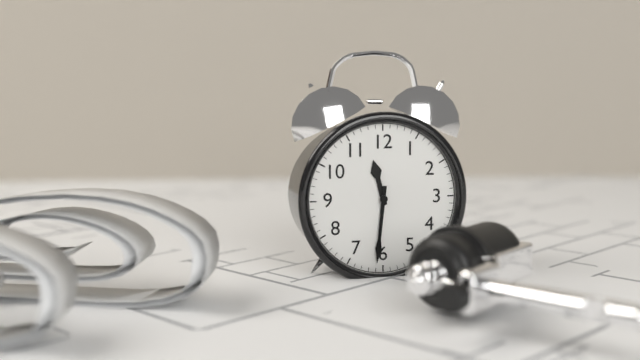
11:31
